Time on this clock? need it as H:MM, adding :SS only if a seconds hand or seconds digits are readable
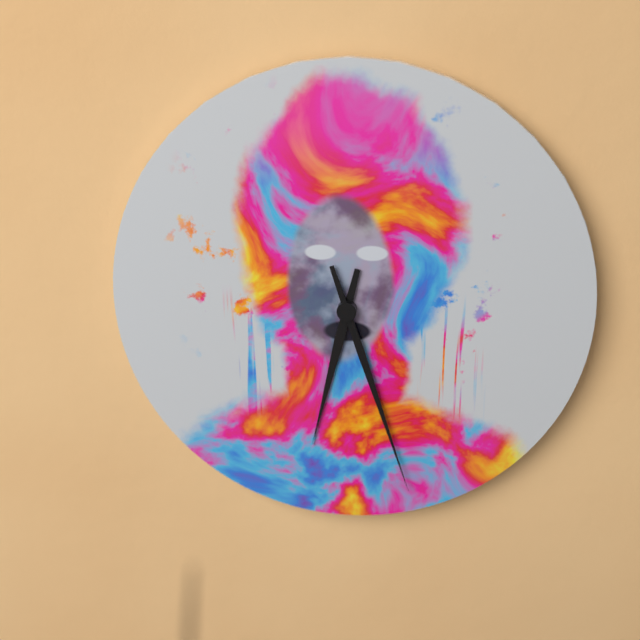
6:27
